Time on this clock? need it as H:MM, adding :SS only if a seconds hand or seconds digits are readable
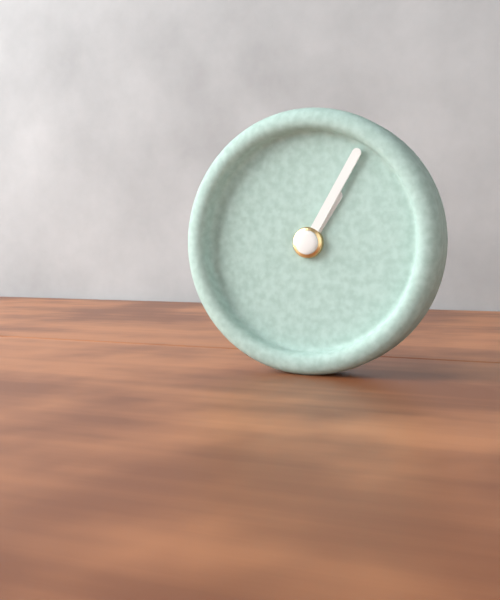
1:05
